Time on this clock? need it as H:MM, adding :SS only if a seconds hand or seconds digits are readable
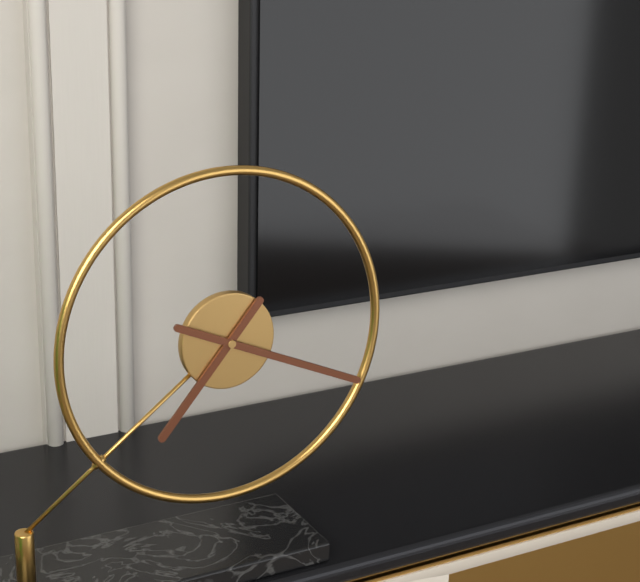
7:19
